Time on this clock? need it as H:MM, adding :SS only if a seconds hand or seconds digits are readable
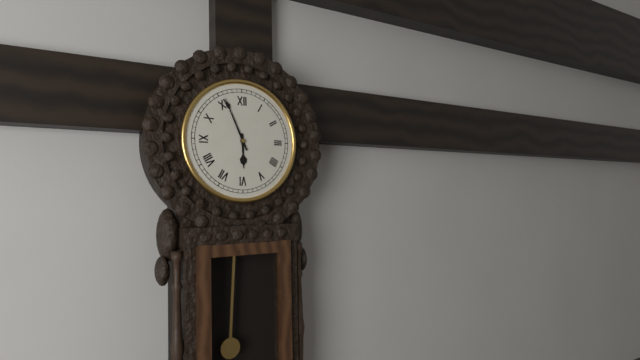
5:56
